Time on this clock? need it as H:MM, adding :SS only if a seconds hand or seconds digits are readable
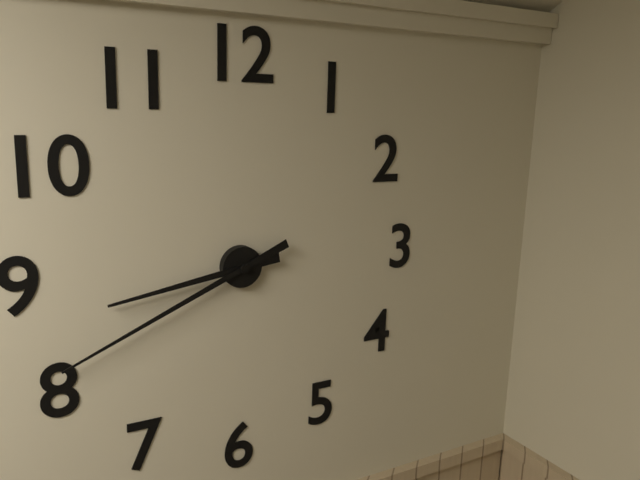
8:41
